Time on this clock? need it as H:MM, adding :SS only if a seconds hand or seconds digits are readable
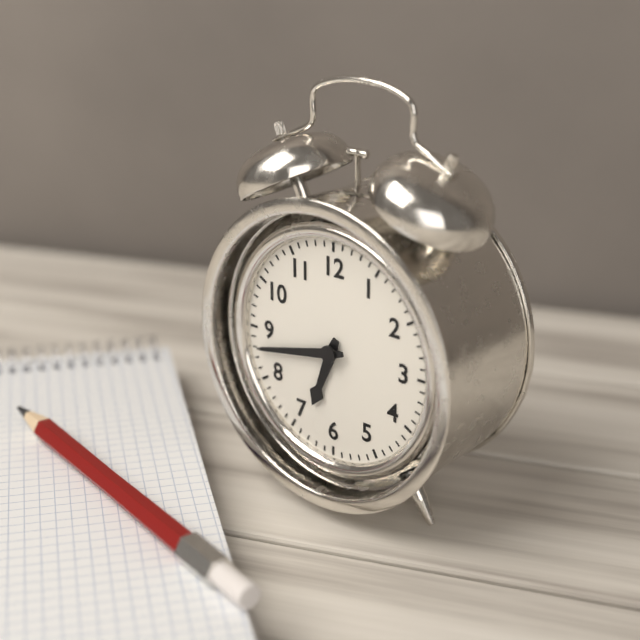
6:43
